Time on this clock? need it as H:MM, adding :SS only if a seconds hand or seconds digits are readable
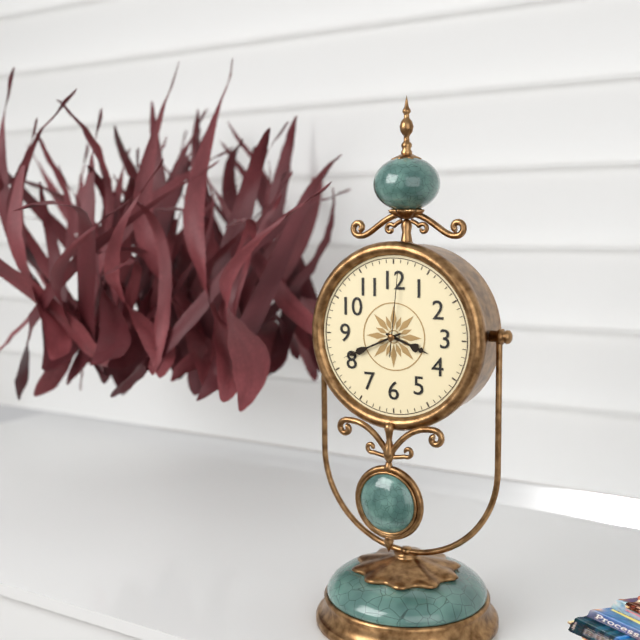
3:41:01
